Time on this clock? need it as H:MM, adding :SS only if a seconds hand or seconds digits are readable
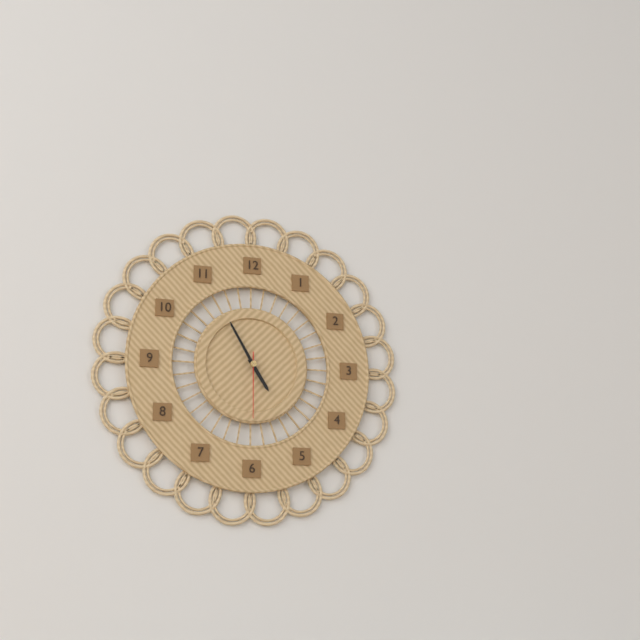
4:55:30
